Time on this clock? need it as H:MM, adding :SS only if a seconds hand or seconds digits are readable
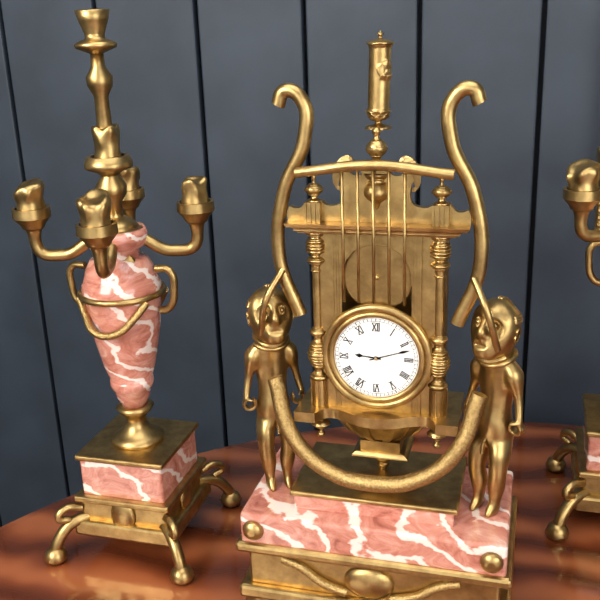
9:12
